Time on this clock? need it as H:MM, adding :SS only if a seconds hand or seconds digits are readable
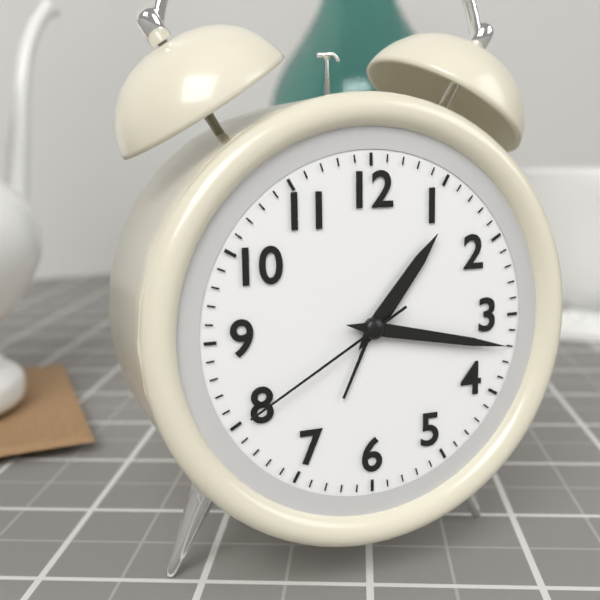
1:17:40
